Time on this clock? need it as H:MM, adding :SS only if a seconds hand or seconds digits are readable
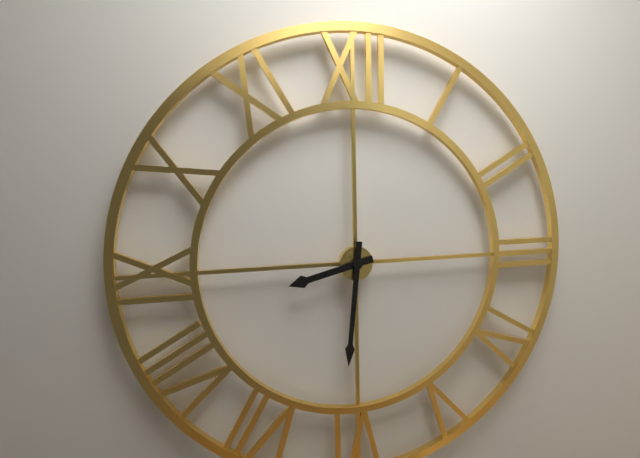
8:31
